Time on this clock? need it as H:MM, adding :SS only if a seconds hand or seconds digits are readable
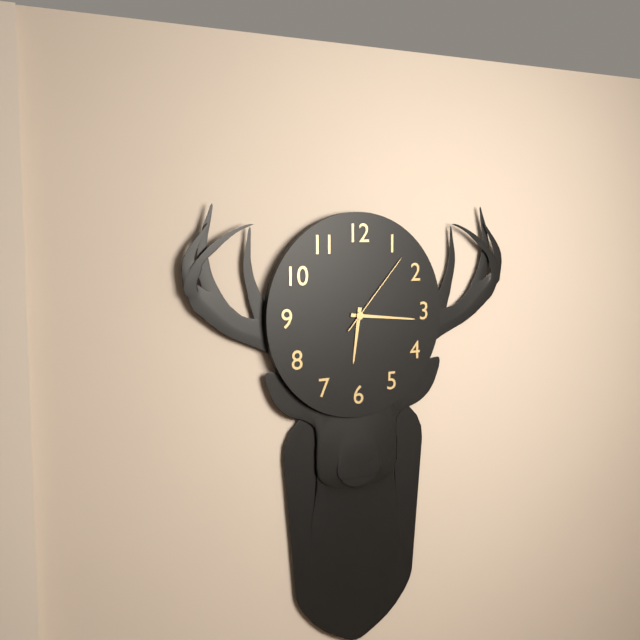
6:16:07
